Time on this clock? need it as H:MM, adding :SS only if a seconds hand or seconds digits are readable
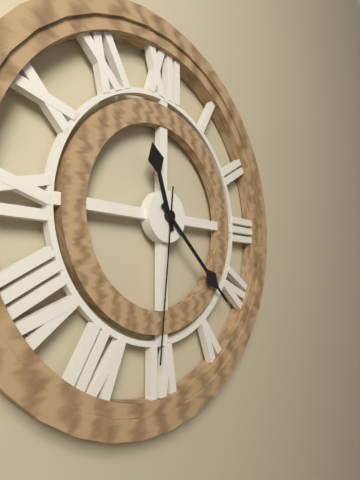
11:22:31
